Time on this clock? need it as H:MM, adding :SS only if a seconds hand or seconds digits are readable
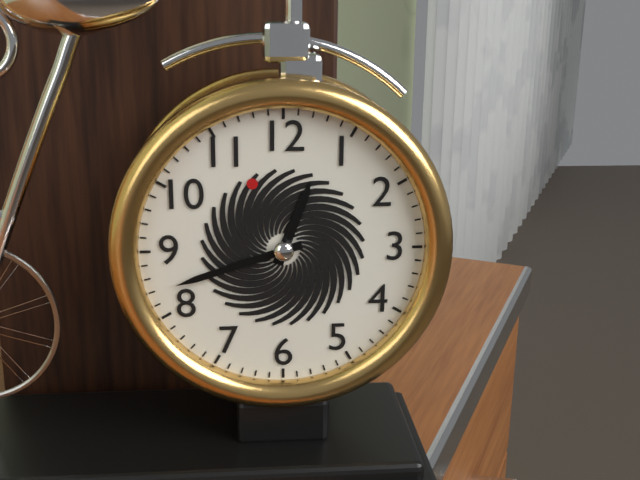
12:42
